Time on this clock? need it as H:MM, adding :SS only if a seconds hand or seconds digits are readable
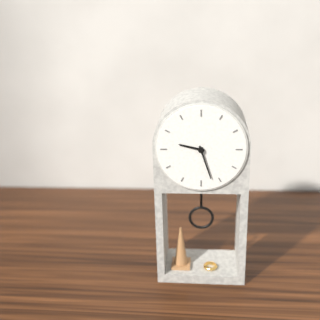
9:27
